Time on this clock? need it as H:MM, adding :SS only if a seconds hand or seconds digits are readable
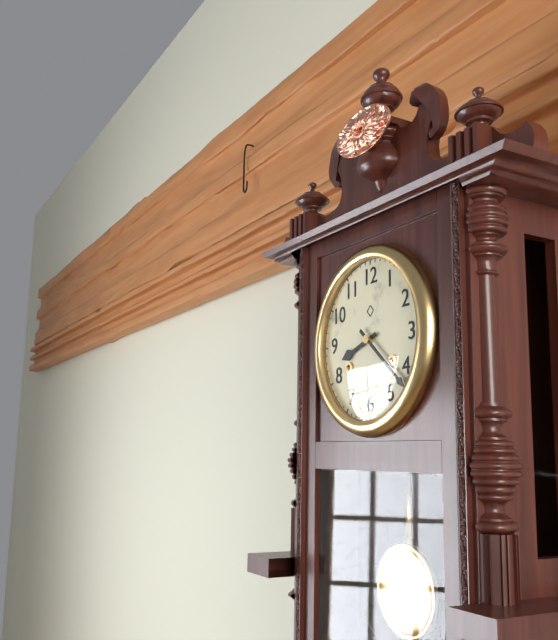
8:22
